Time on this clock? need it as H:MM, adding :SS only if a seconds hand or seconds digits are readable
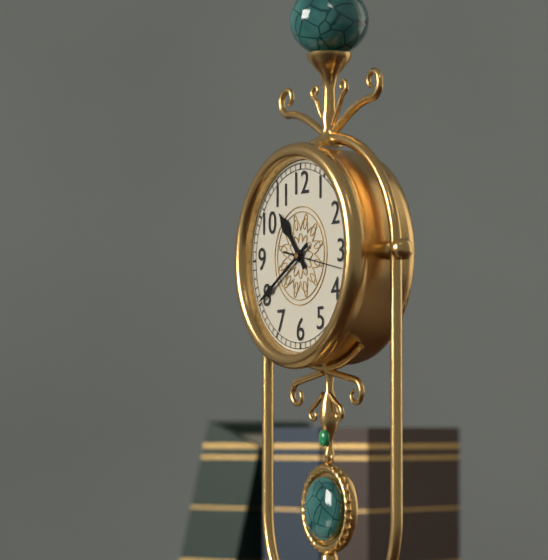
10:40:17
